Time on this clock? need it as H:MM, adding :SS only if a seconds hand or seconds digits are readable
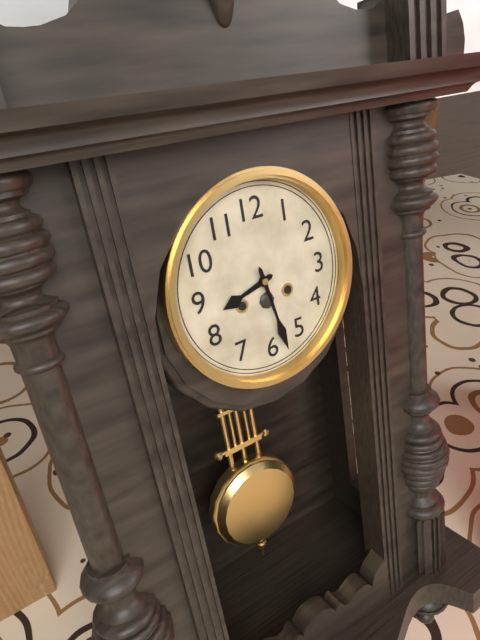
8:28
